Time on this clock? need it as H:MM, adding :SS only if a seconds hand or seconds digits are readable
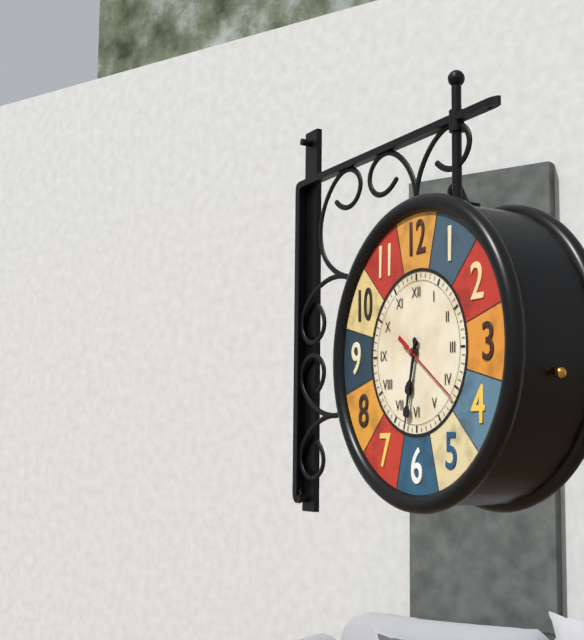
6:32:21
